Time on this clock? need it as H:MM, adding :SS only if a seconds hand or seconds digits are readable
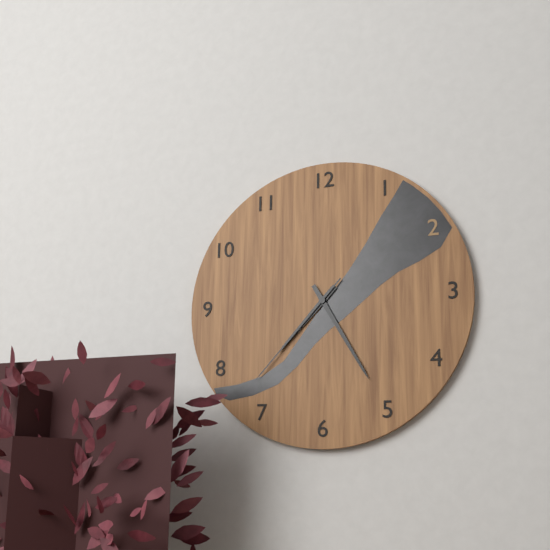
7:25:37
